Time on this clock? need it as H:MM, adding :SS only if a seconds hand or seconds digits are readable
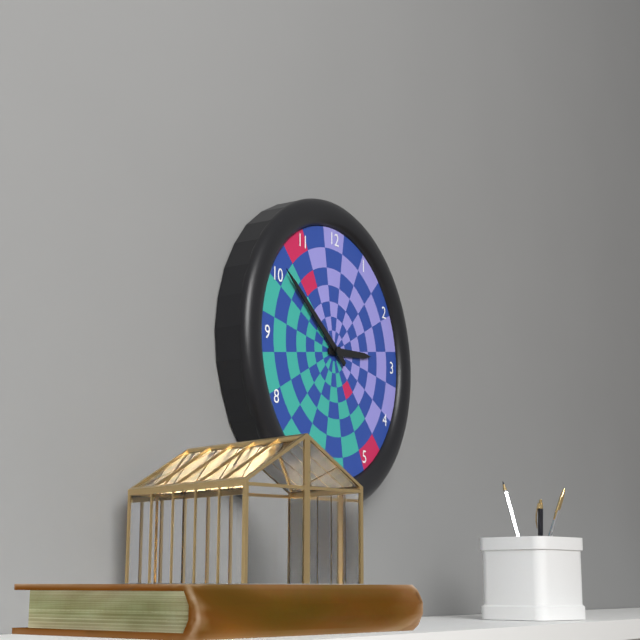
2:51
